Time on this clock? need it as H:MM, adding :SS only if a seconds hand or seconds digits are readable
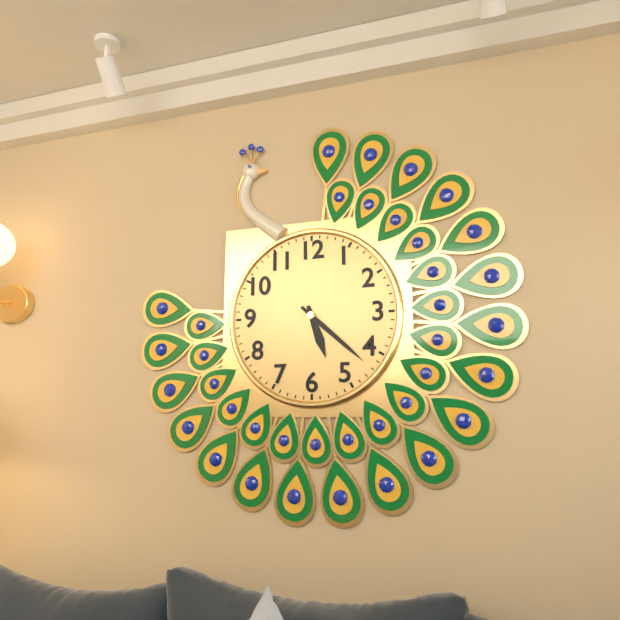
5:22
